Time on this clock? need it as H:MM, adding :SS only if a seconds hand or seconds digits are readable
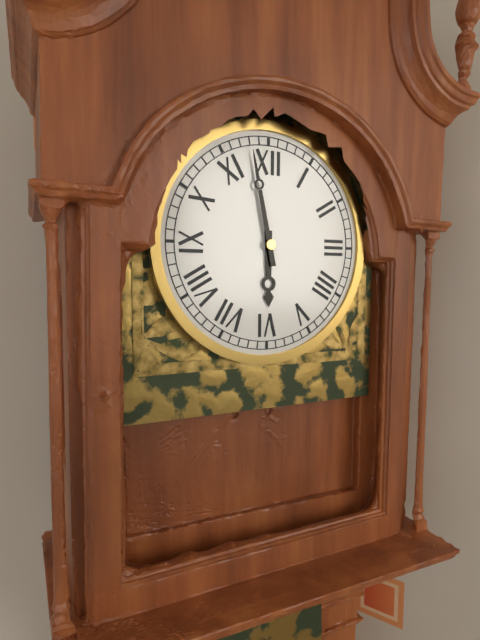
5:58
